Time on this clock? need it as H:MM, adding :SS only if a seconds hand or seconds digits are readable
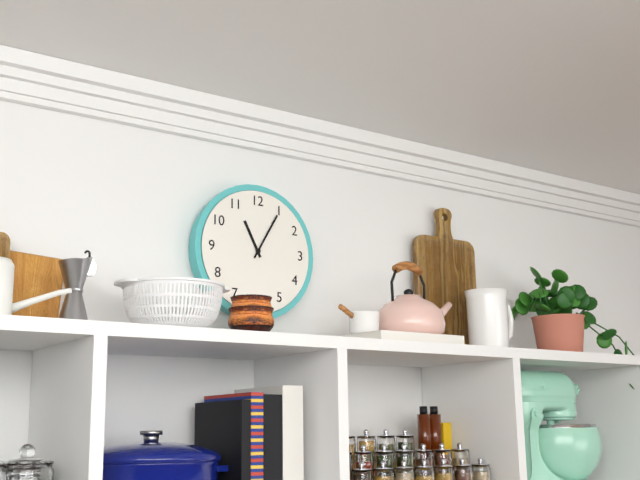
11:05
